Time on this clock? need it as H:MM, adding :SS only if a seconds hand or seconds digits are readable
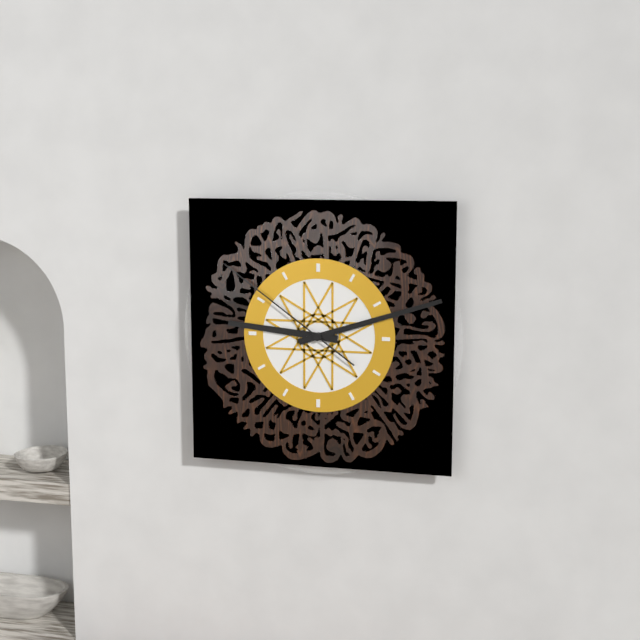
9:12:51
